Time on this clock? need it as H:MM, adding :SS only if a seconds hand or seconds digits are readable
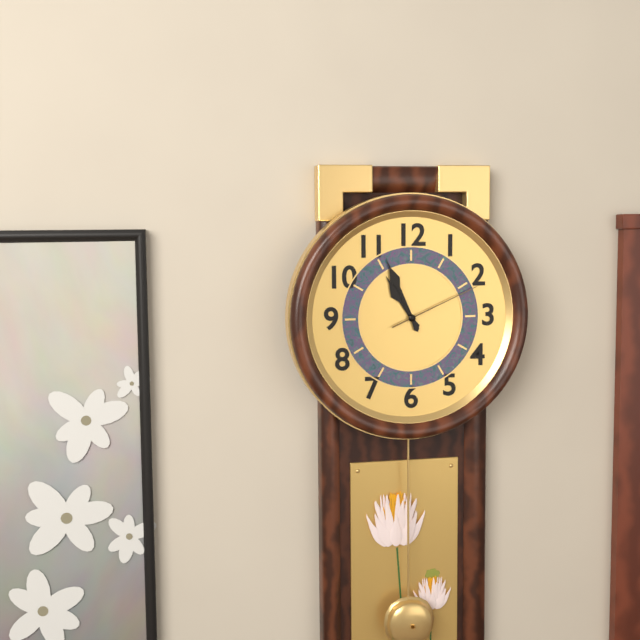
10:56:11
